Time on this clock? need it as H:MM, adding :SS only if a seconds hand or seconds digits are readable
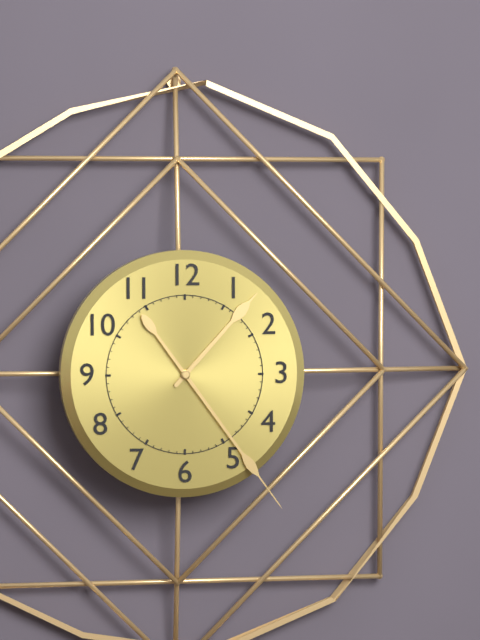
1:24
